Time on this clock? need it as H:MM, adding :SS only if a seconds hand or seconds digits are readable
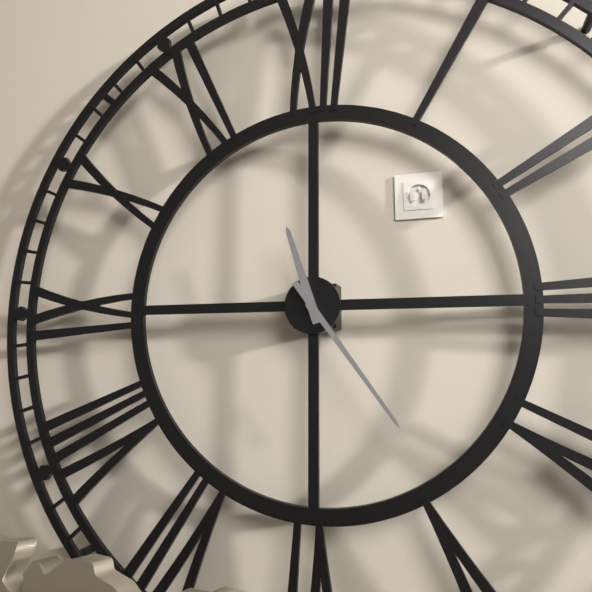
11:24
